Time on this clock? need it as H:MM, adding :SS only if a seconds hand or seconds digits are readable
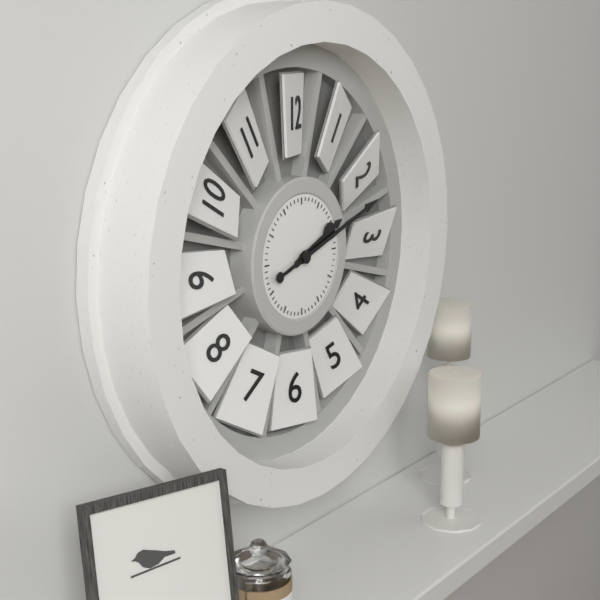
2:12
